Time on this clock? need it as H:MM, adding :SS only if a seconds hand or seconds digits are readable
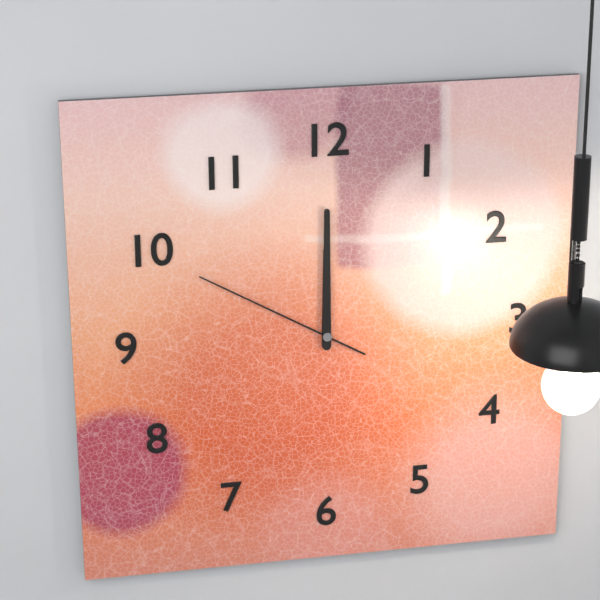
12:00:50
